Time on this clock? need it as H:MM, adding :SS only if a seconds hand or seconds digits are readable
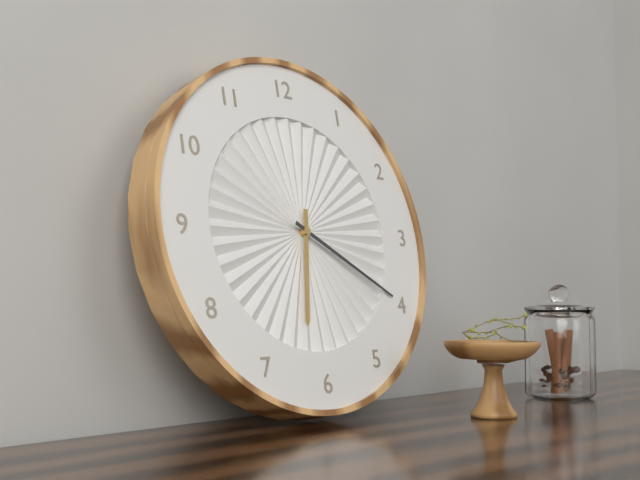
6:20
